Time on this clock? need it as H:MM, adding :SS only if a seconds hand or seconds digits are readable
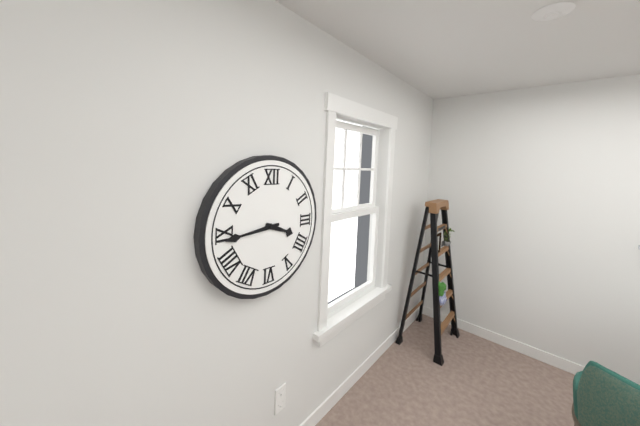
3:44
